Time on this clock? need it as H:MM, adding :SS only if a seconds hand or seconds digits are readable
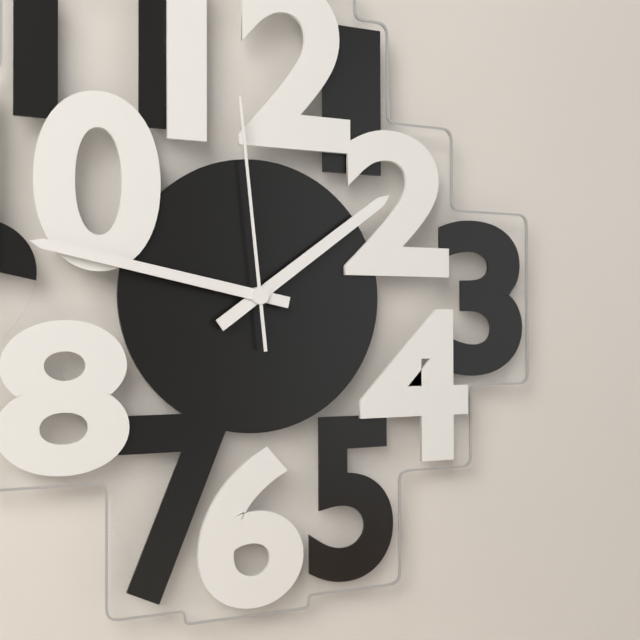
1:47:59
